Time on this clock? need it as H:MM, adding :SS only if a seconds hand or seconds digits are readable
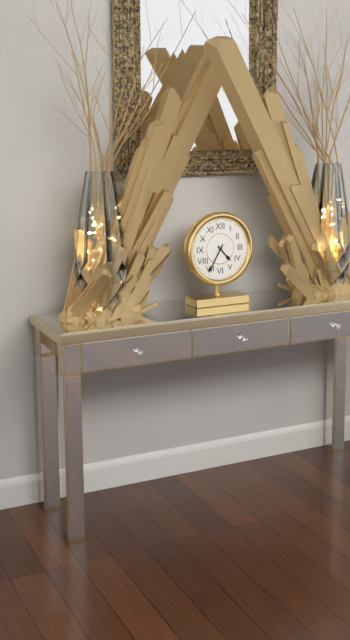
4:35
